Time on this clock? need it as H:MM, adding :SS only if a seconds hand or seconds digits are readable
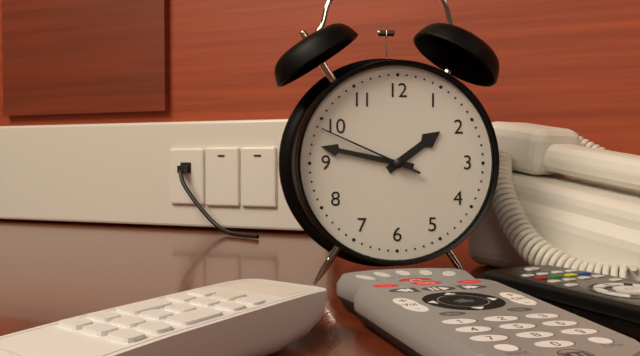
1:47:49
